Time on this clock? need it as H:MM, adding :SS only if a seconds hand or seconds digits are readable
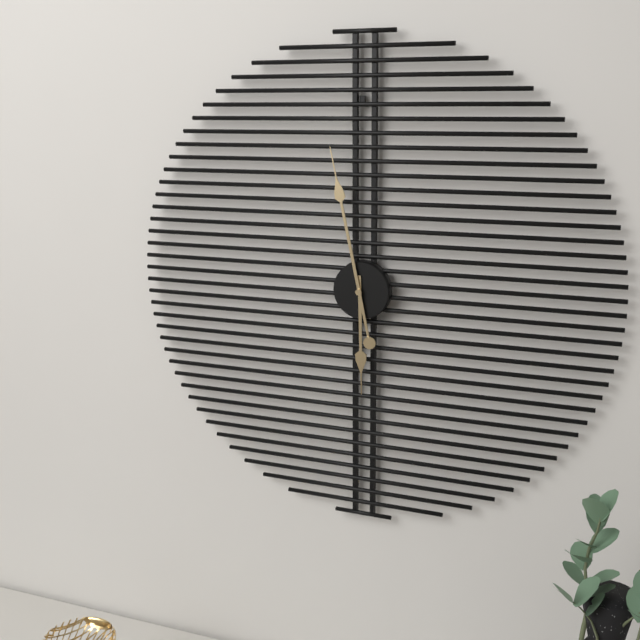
5:58
